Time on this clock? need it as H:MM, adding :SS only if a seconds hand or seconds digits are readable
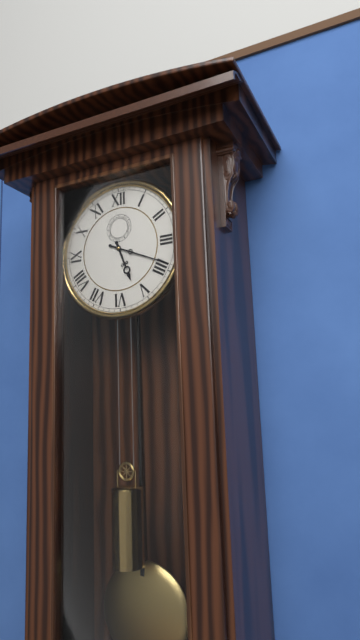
5:19
